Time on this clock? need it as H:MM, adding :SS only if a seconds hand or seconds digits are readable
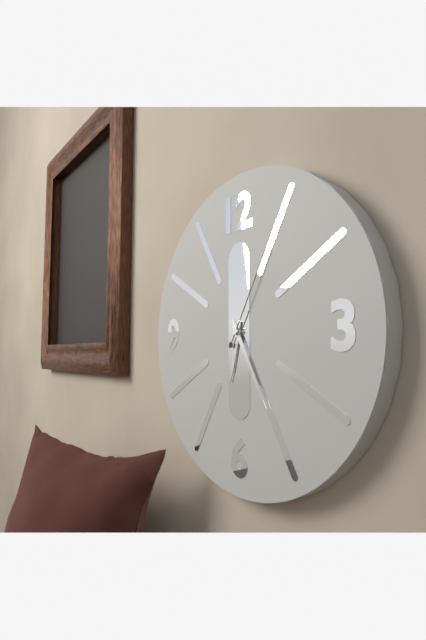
6:25:05
